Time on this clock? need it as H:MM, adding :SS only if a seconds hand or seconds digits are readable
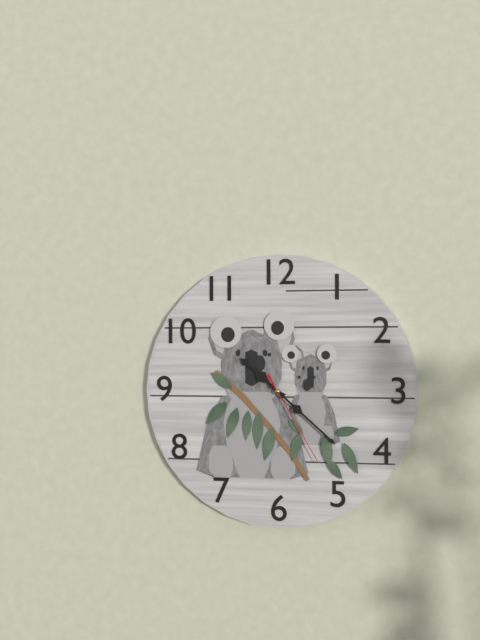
10:22:25
